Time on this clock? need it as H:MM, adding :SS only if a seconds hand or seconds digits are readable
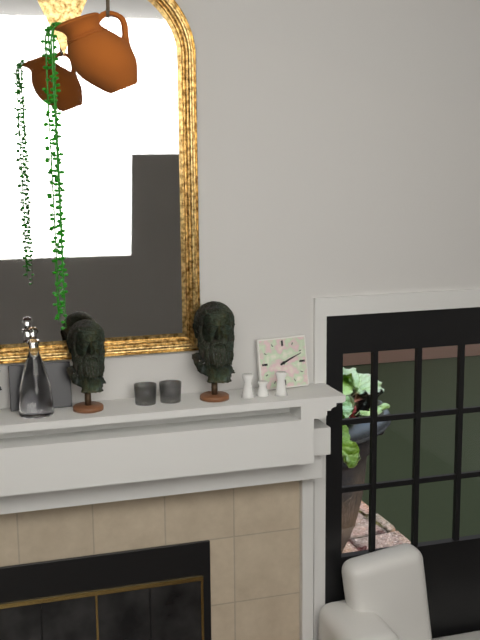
2:11
